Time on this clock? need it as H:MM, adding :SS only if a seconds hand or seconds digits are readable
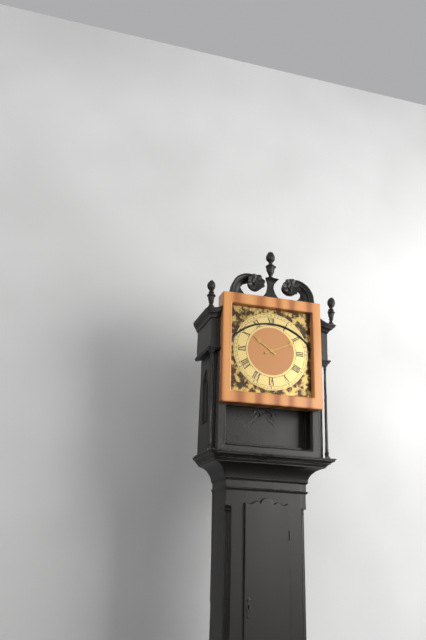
10:11
